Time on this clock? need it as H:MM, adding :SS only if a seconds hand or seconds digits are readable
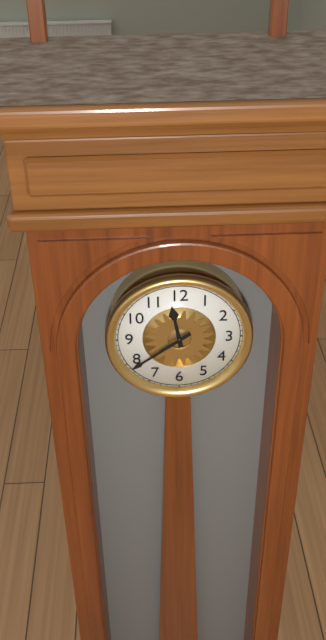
11:39
